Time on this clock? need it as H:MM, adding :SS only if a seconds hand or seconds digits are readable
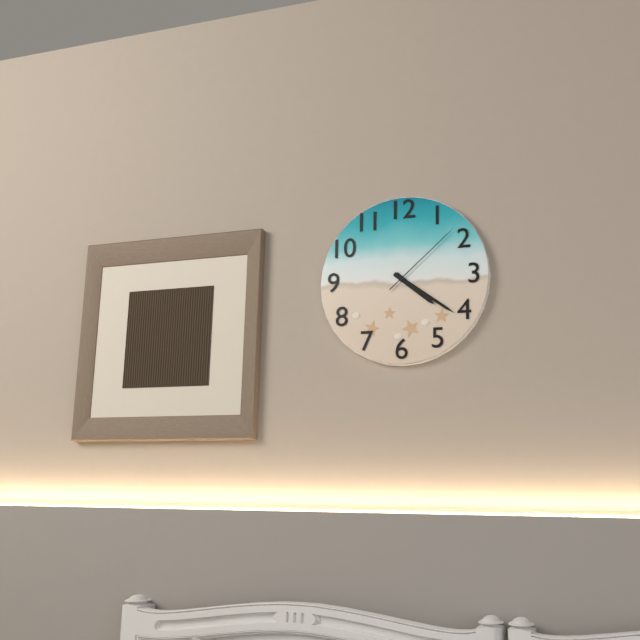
4:21:08
